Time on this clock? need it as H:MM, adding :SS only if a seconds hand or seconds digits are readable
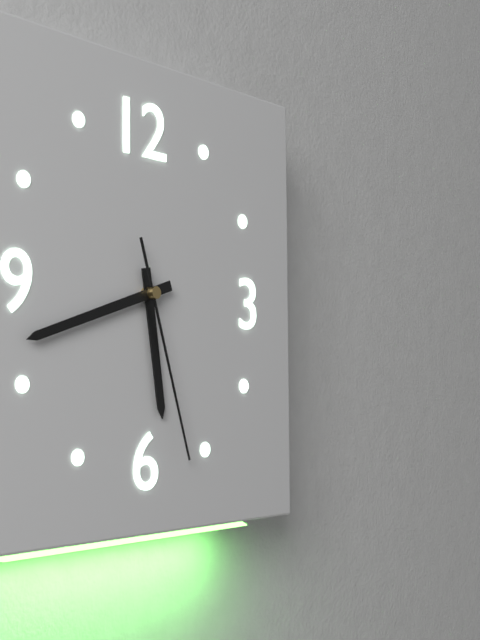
5:42:27
